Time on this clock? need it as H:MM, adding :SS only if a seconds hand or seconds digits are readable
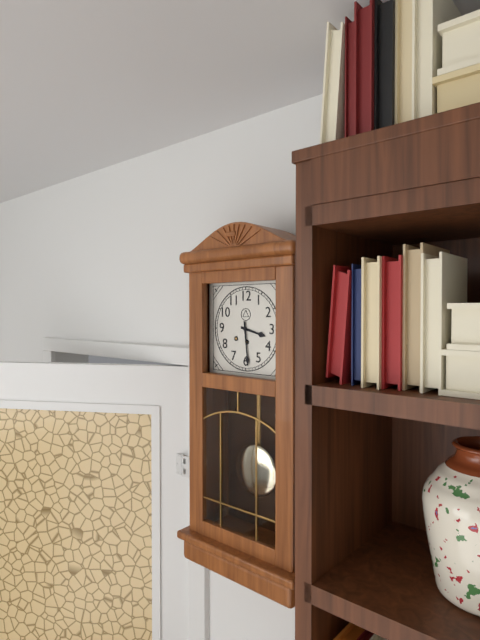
3:29
